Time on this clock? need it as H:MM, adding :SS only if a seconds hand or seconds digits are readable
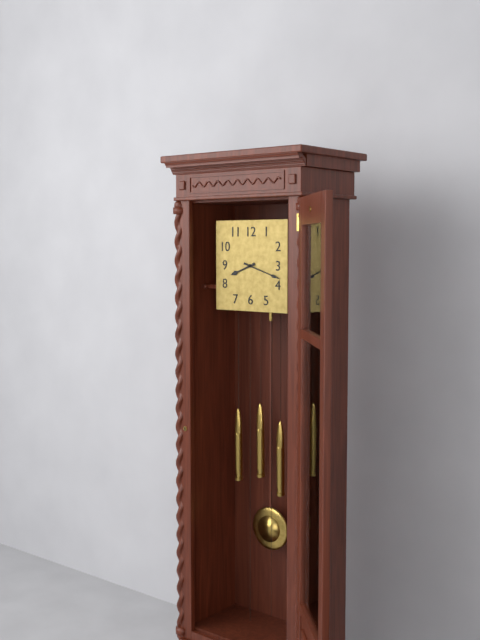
8:18
